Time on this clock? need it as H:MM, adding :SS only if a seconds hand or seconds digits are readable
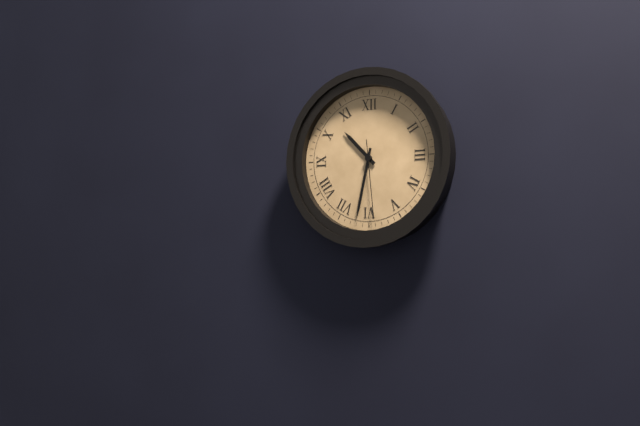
10:32:29
